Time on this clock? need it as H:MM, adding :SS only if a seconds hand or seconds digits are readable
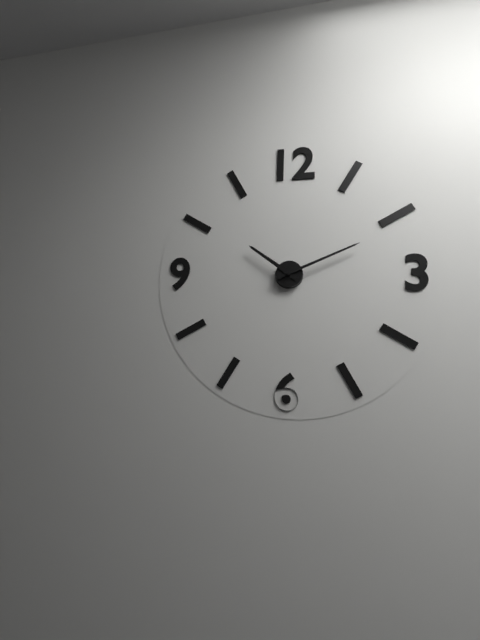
10:11
